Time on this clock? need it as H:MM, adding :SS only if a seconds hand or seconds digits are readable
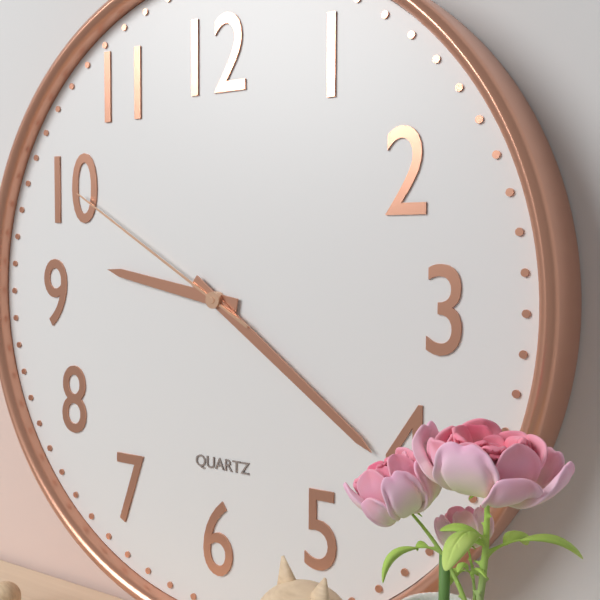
9:21:50
